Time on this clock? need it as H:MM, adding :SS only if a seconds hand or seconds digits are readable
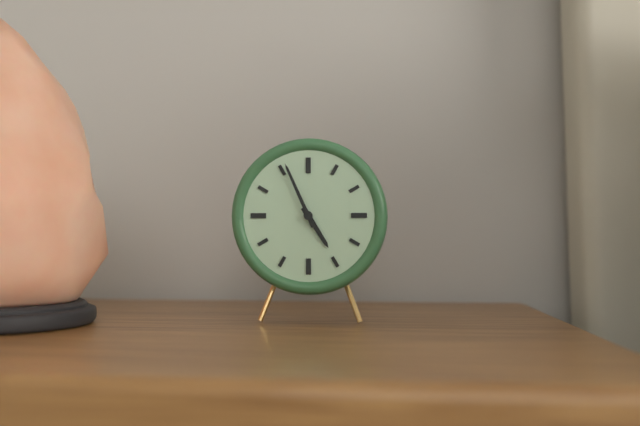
4:56
